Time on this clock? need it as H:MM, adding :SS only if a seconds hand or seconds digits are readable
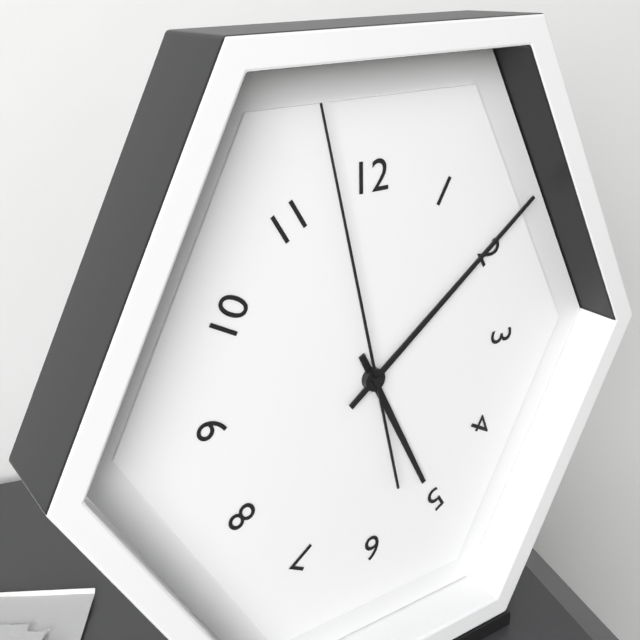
5:09:58
